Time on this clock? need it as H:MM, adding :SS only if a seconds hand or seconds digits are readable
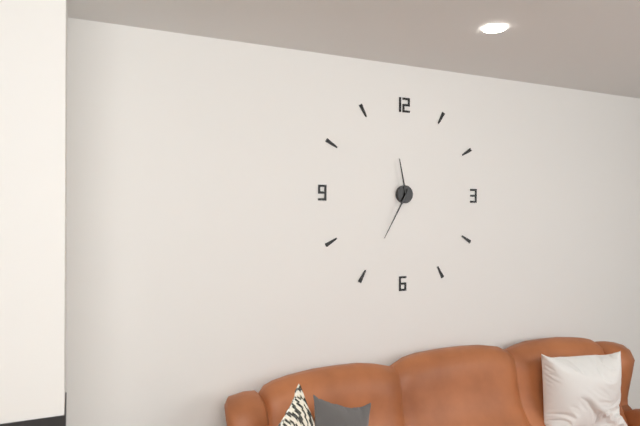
11:35
